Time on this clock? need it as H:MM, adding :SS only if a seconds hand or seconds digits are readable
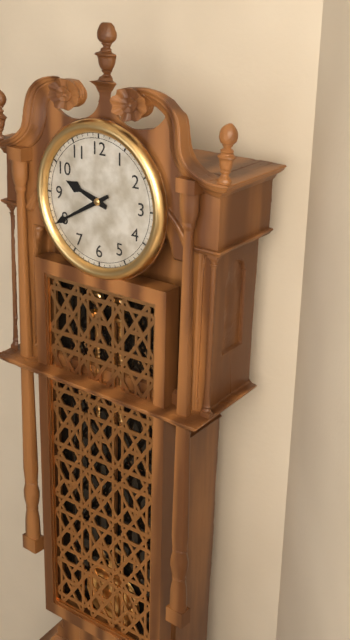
9:40
